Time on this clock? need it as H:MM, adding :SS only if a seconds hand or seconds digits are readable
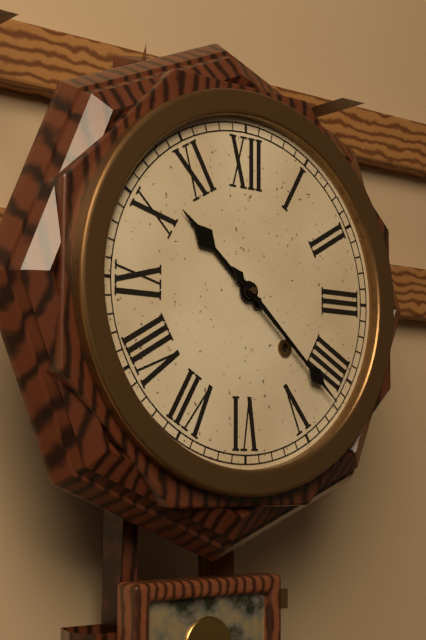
10:22
